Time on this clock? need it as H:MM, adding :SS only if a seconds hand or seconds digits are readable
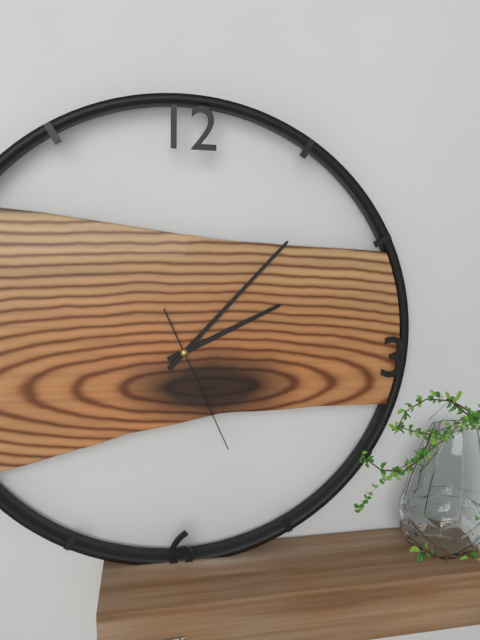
2:07:26
